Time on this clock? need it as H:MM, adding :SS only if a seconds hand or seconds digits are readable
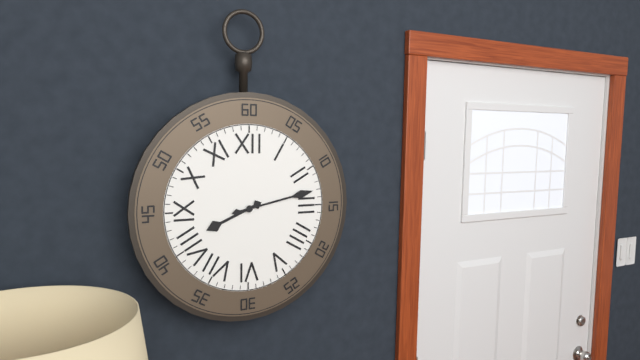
8:13
